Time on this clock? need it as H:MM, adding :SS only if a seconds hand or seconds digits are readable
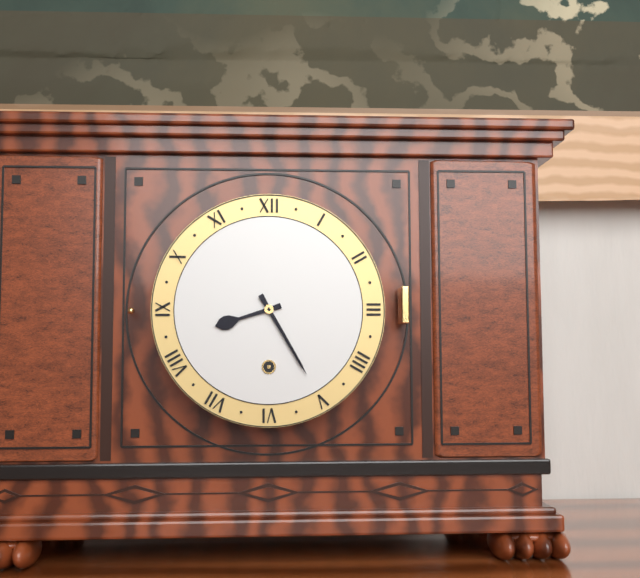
8:25
